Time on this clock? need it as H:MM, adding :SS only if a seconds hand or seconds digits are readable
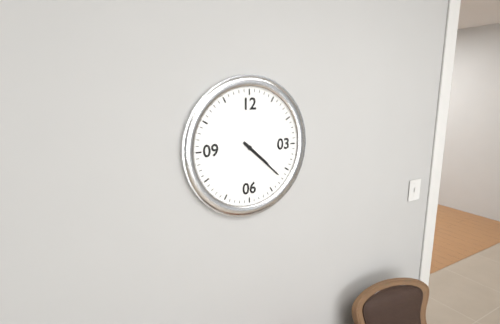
4:22
